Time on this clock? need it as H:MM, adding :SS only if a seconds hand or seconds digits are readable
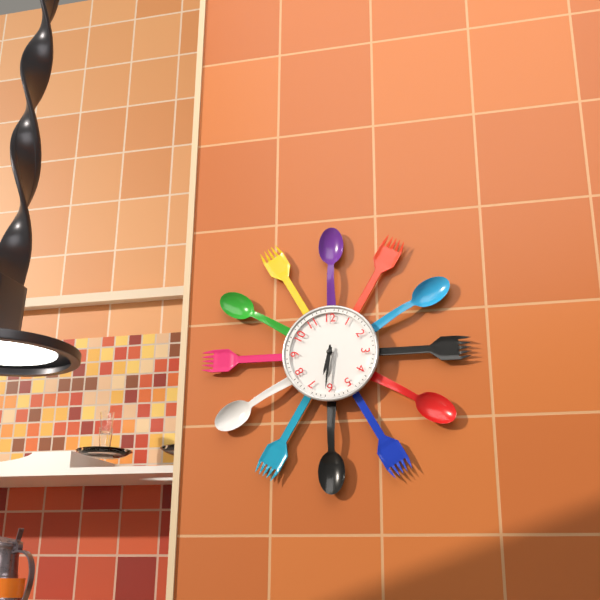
6:31
